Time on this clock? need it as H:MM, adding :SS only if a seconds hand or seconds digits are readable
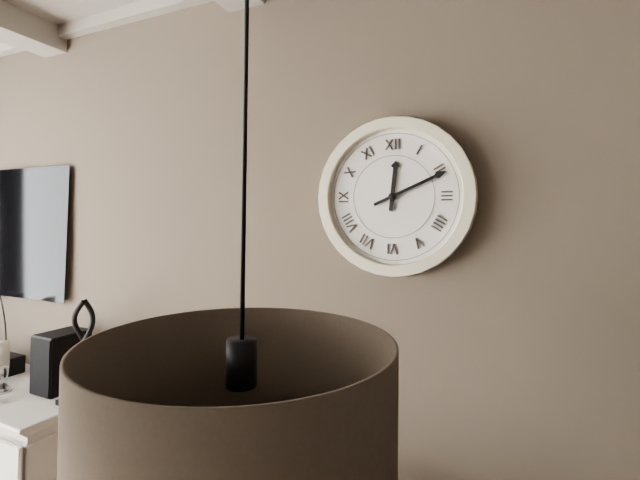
12:11
